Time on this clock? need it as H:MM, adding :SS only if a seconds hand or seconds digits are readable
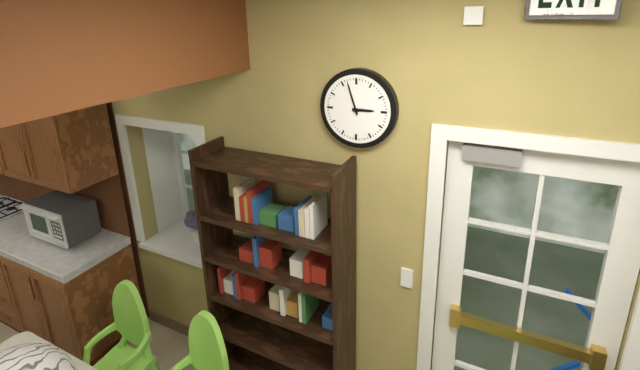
2:57
